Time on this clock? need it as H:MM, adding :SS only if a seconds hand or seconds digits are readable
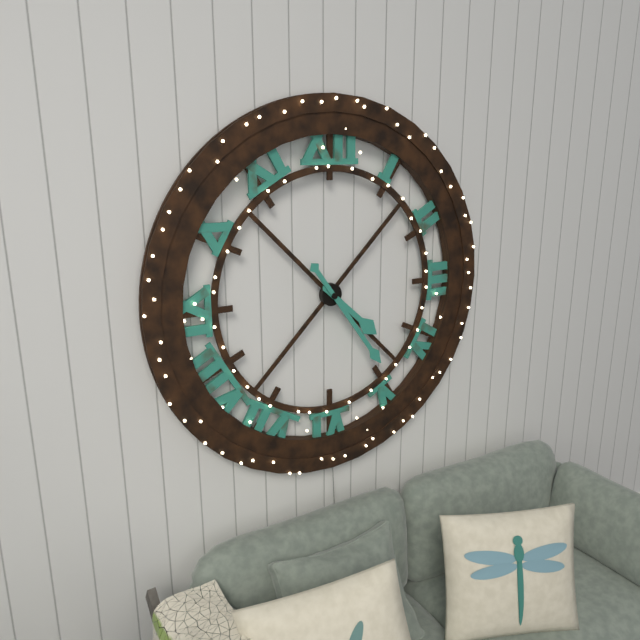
4:24
